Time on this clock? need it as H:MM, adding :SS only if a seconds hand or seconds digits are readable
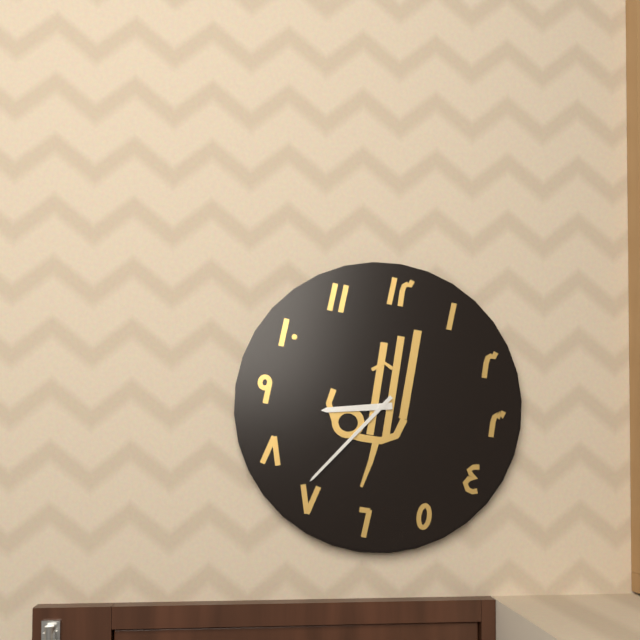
8:36
